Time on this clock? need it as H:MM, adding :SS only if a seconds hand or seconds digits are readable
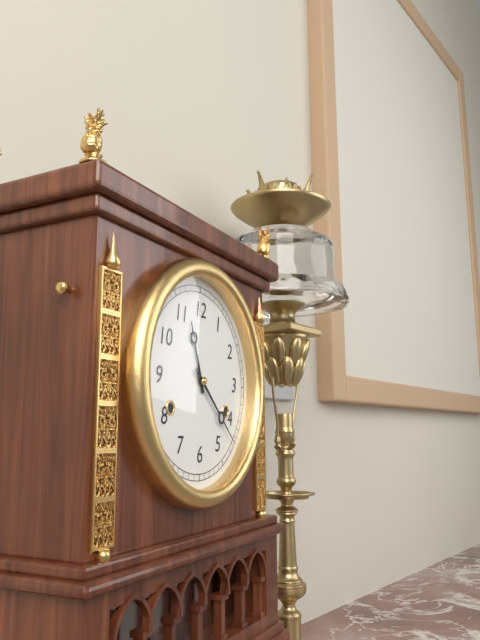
11:22
